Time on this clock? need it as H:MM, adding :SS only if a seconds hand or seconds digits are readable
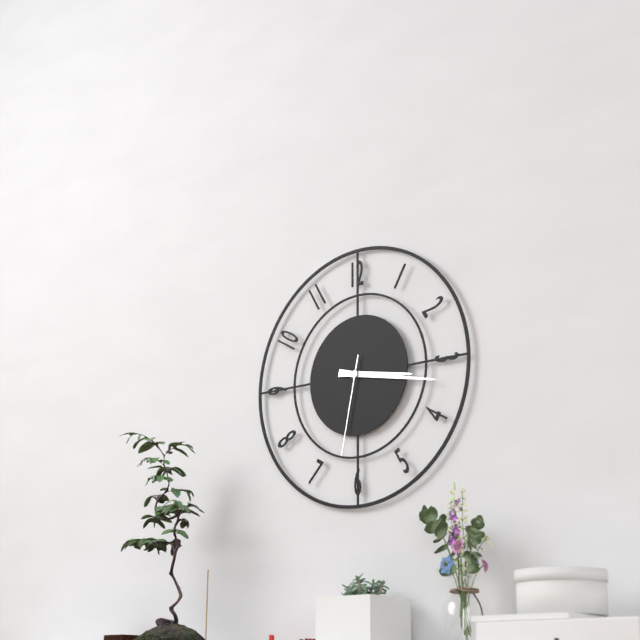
3:17:32
